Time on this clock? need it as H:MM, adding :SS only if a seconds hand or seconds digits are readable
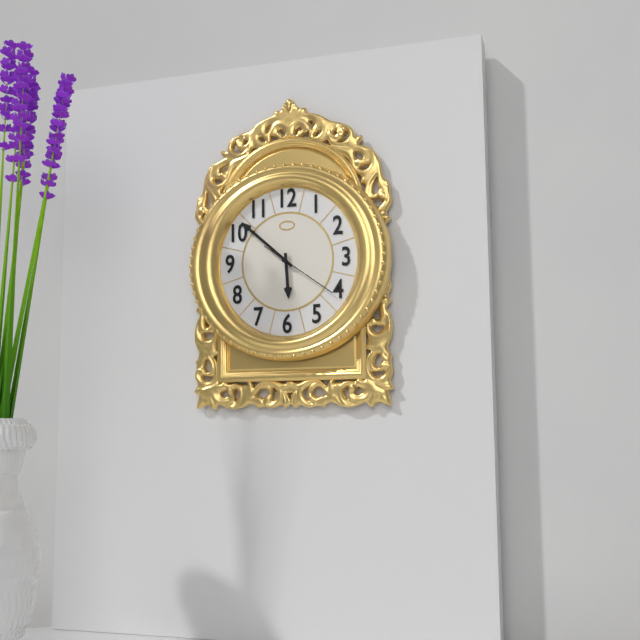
5:52:21
